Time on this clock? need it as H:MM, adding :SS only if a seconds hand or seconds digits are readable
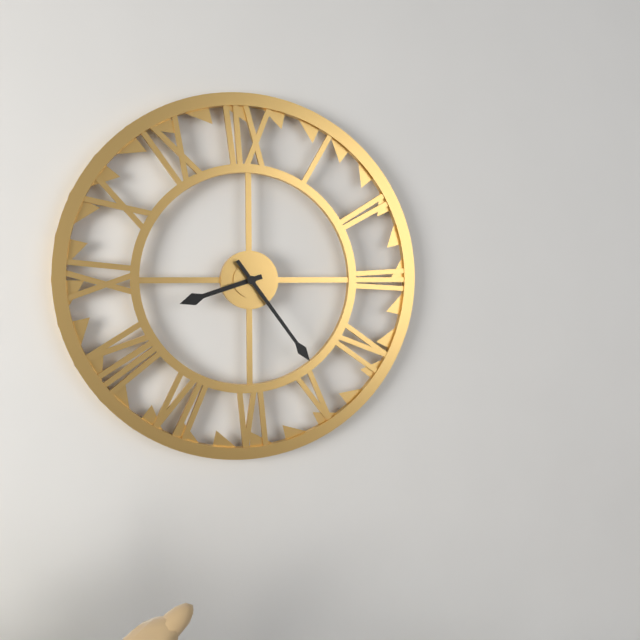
8:24
